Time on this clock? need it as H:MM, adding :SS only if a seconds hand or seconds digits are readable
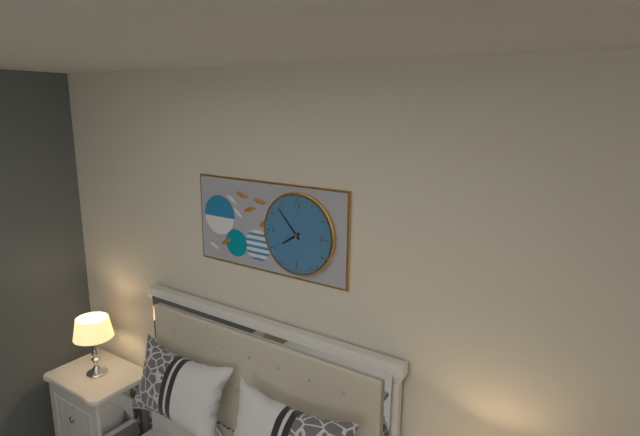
7:53
